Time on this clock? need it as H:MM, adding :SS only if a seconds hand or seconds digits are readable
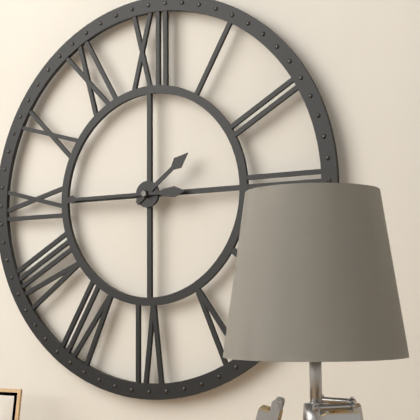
1:45
